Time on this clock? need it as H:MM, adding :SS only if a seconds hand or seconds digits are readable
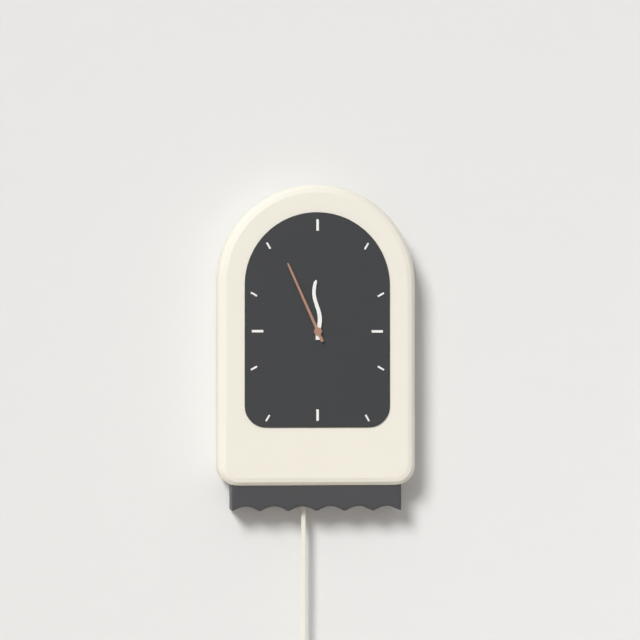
11:56
